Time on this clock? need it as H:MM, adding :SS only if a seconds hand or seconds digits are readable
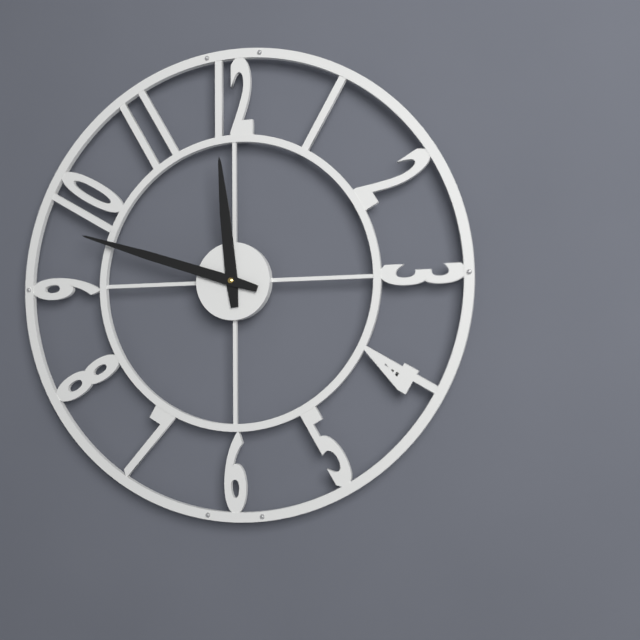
11:48
